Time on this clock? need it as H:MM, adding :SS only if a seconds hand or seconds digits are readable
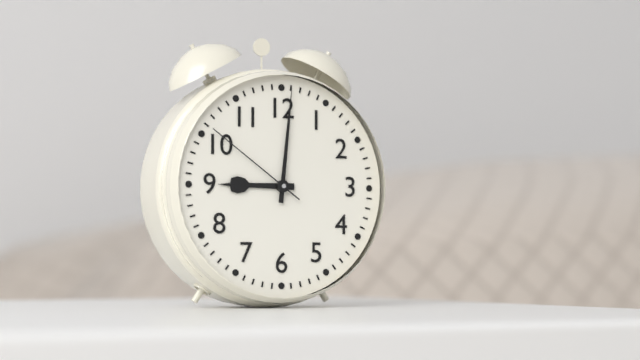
9:01:51
